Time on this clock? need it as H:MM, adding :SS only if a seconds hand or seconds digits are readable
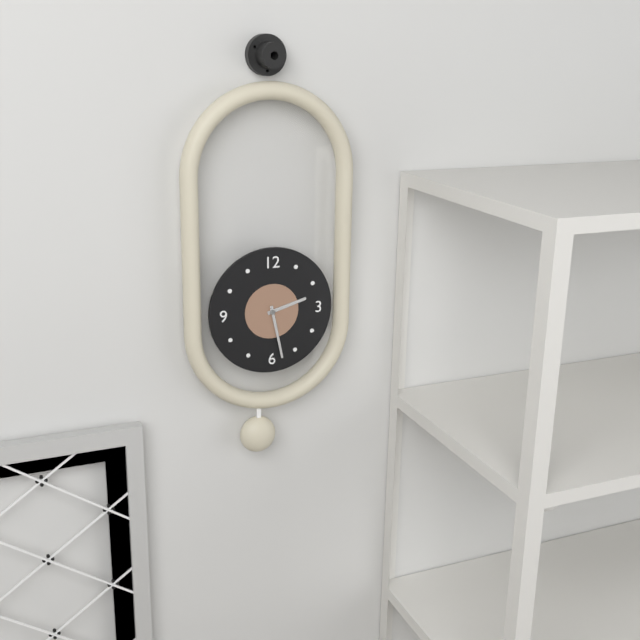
2:28
